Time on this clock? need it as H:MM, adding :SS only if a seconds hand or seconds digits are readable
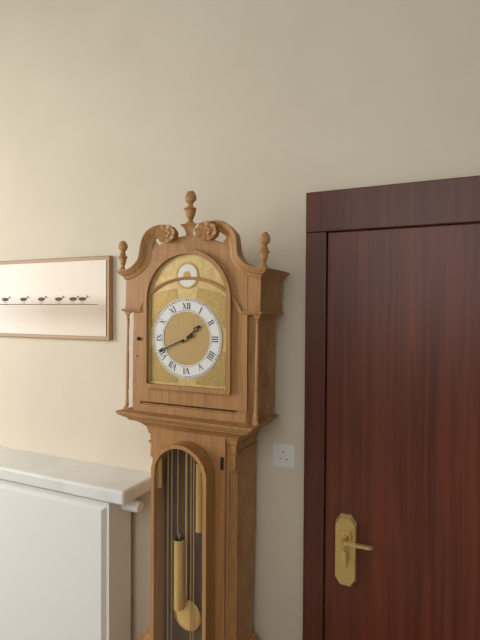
1:41
